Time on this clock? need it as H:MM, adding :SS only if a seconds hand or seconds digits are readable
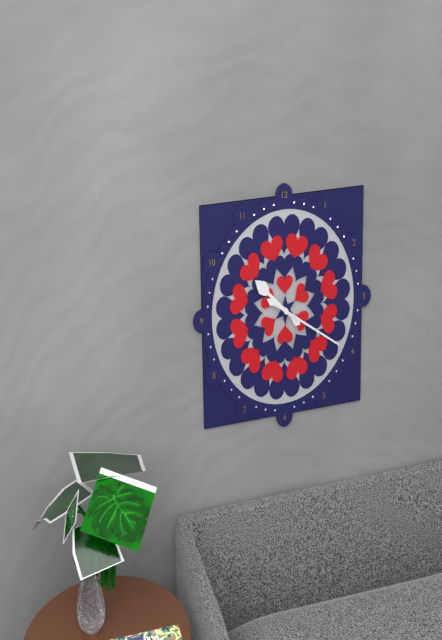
10:20
